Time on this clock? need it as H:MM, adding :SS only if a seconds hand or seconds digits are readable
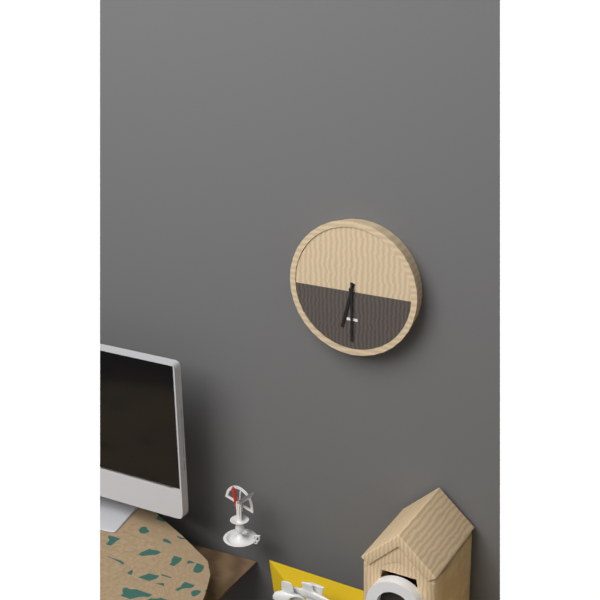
6:30
